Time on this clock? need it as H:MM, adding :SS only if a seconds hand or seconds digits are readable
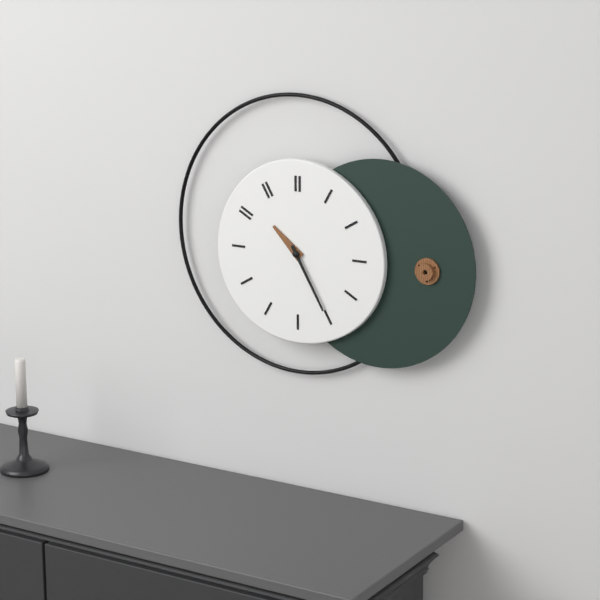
10:25
